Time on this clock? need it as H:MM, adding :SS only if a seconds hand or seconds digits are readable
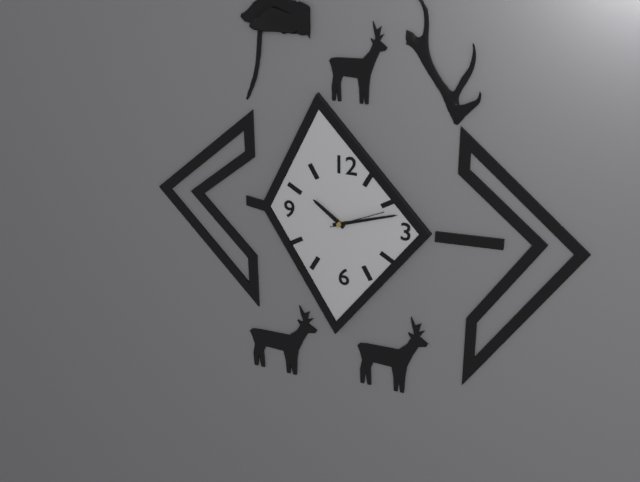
10:12:11
